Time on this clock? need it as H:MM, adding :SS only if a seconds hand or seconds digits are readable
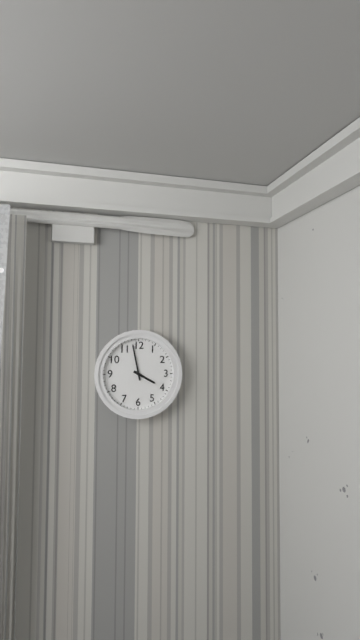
3:58
